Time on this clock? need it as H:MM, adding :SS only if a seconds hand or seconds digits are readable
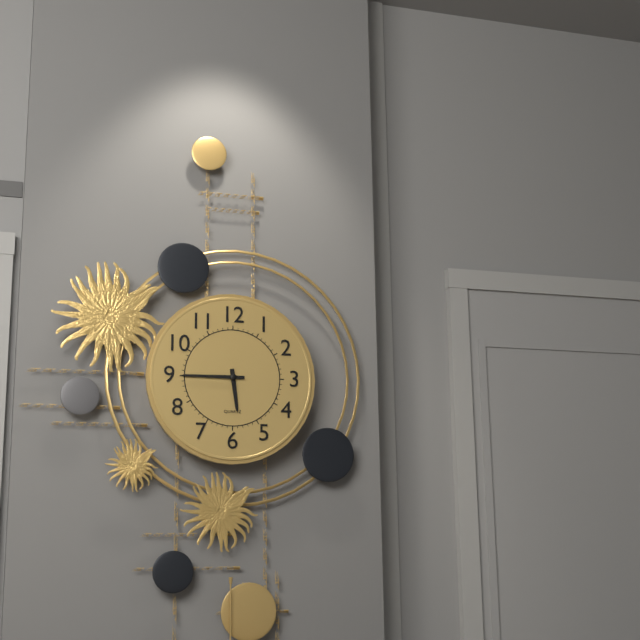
5:45
